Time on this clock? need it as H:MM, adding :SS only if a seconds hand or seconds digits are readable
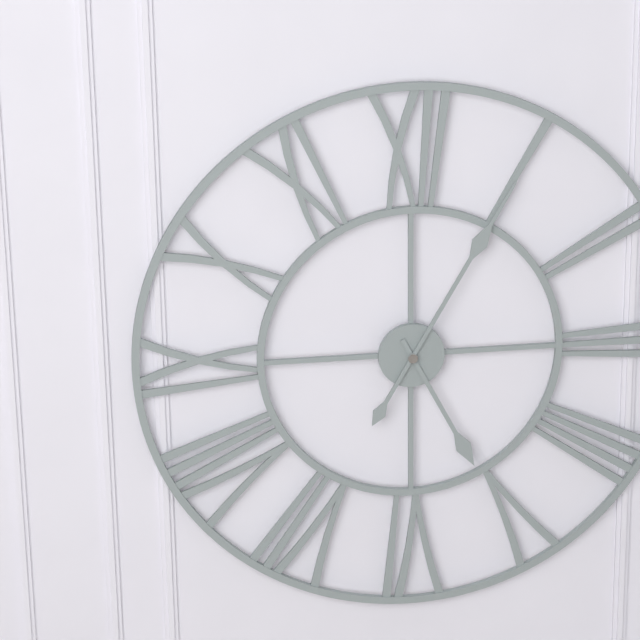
5:05
